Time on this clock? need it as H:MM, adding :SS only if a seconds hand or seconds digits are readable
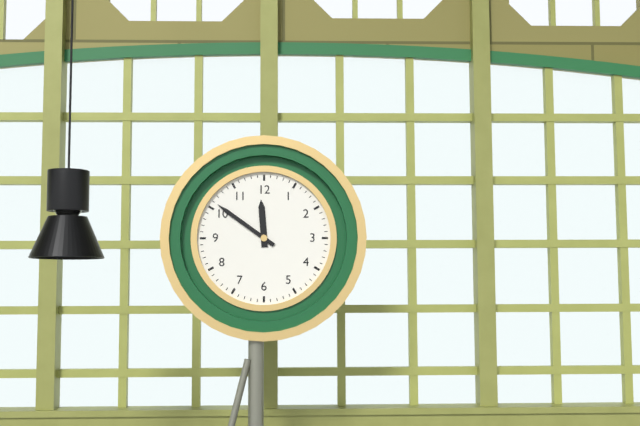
11:51
